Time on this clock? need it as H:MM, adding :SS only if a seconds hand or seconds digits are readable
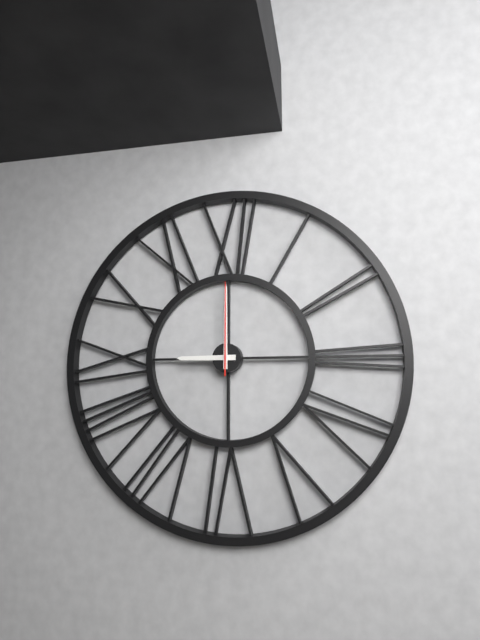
9:00:00
